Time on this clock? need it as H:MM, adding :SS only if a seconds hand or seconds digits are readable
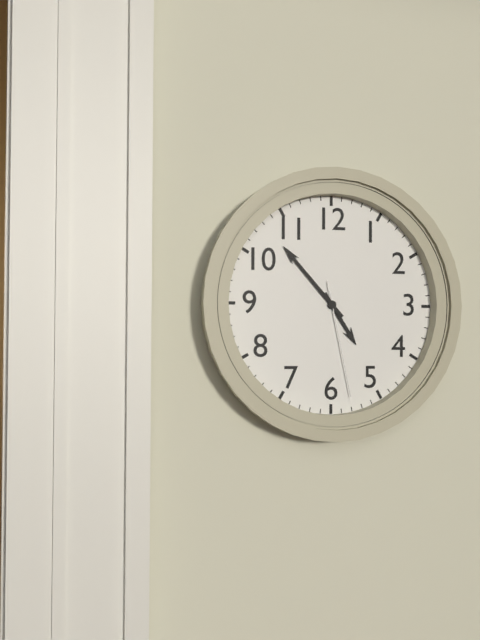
4:53:28
